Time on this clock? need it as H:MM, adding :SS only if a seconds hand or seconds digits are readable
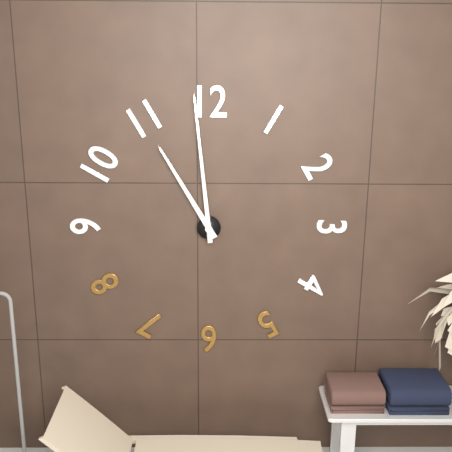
10:59
